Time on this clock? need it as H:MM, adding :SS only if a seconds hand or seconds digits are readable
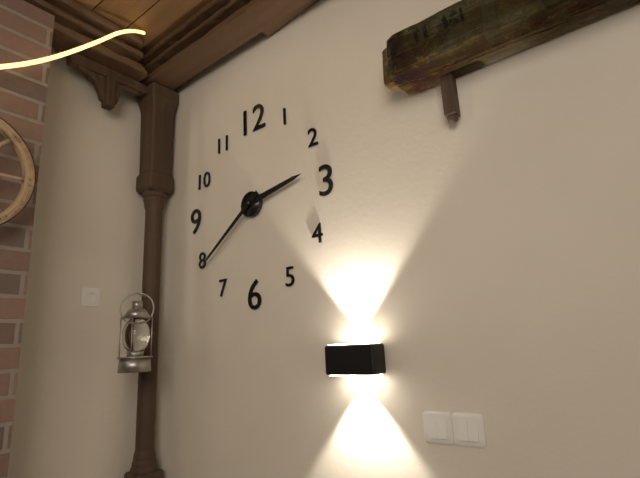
2:39
